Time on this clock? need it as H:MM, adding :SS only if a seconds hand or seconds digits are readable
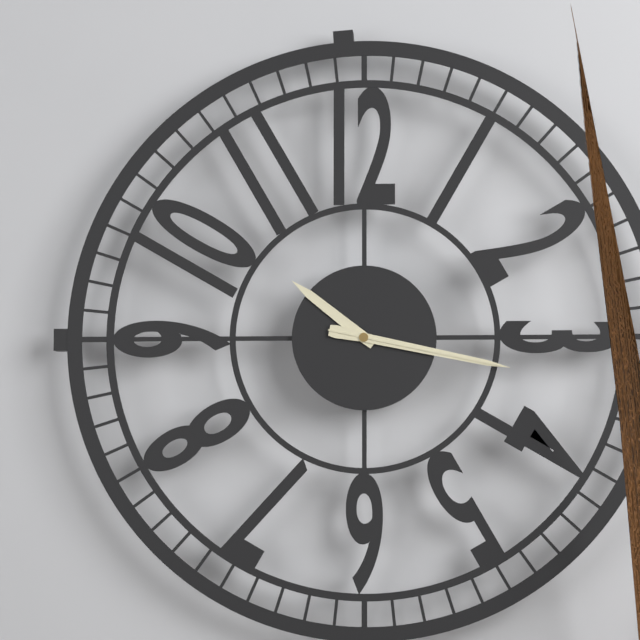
10:17:17
